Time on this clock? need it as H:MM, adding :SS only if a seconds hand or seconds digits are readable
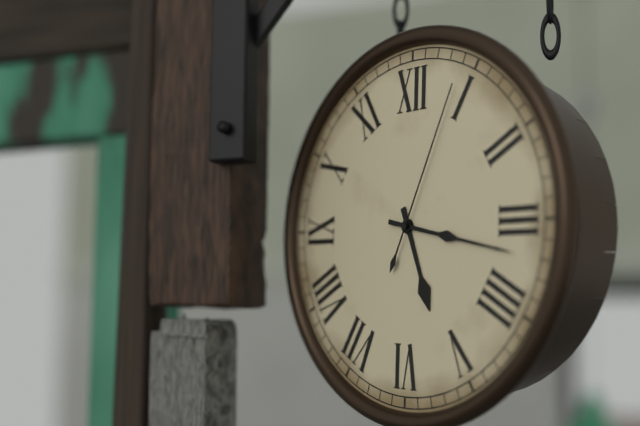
5:17:04
